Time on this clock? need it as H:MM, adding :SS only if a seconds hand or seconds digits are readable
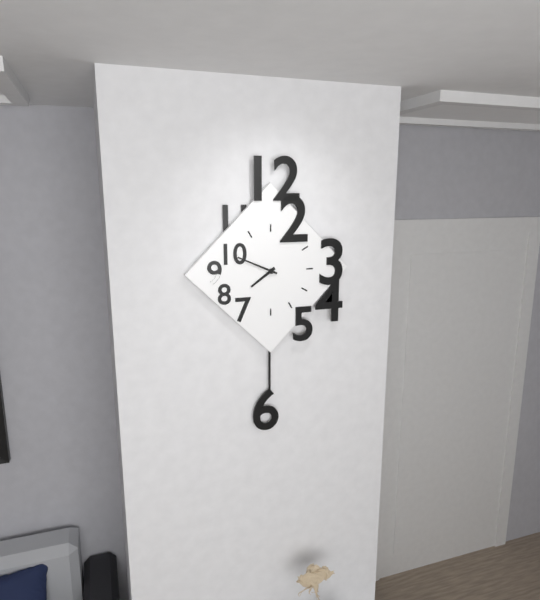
7:49
